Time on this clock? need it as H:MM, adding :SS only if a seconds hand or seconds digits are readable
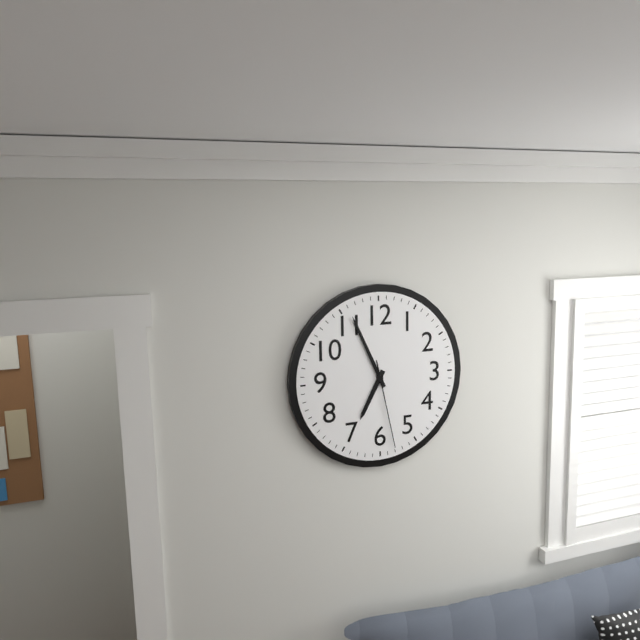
6:56:28
